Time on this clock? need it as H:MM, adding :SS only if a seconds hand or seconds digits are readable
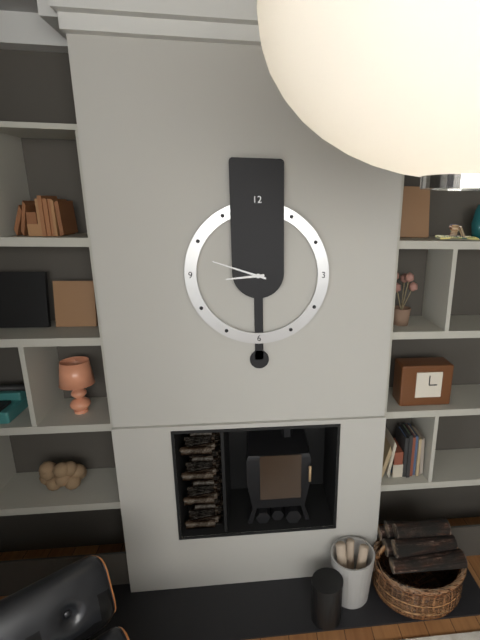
8:48
